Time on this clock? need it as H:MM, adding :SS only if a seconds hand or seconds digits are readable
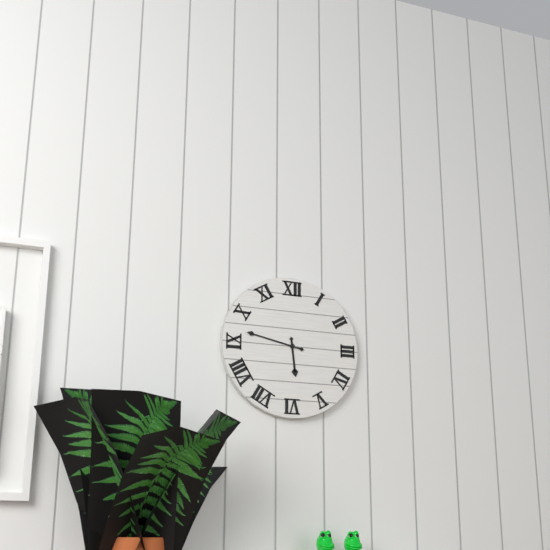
5:47
